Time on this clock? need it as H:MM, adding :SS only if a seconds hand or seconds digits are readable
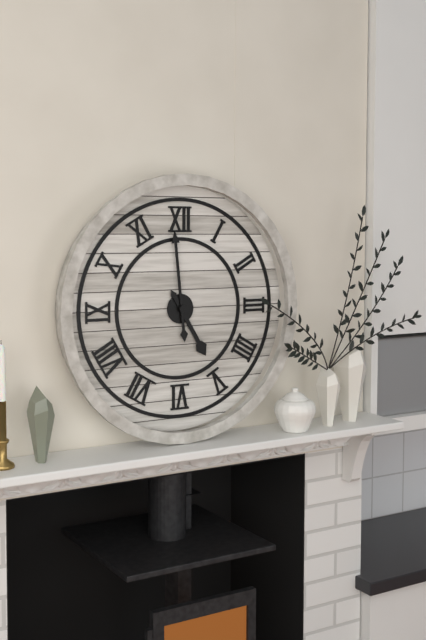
4:59
